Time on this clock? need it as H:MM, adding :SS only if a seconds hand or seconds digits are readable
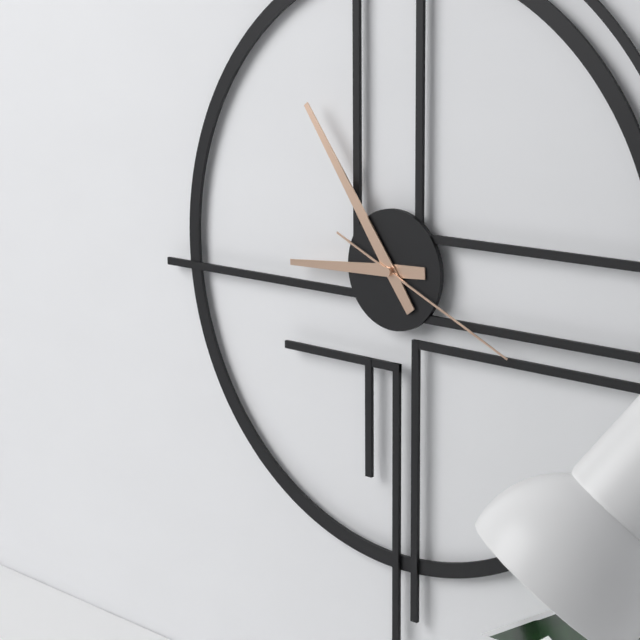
8:54:19
